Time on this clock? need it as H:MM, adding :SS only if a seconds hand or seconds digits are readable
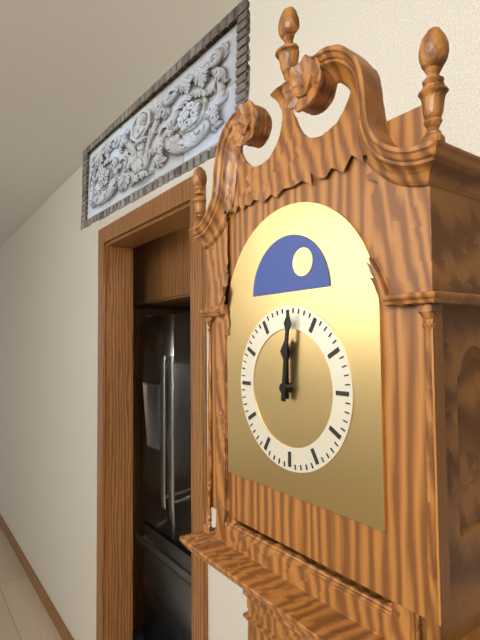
12:01
